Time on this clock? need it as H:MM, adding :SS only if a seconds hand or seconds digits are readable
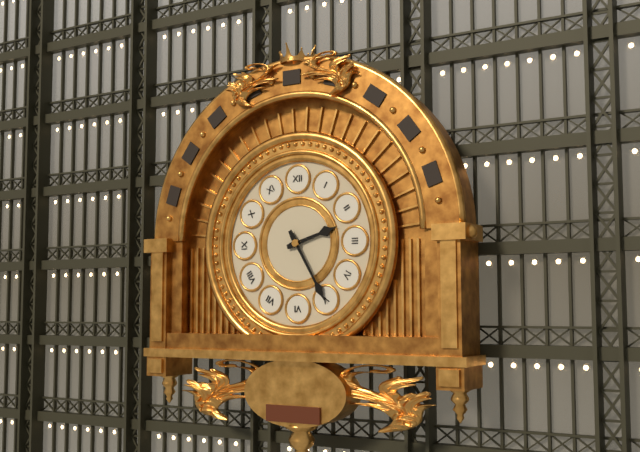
2:25
